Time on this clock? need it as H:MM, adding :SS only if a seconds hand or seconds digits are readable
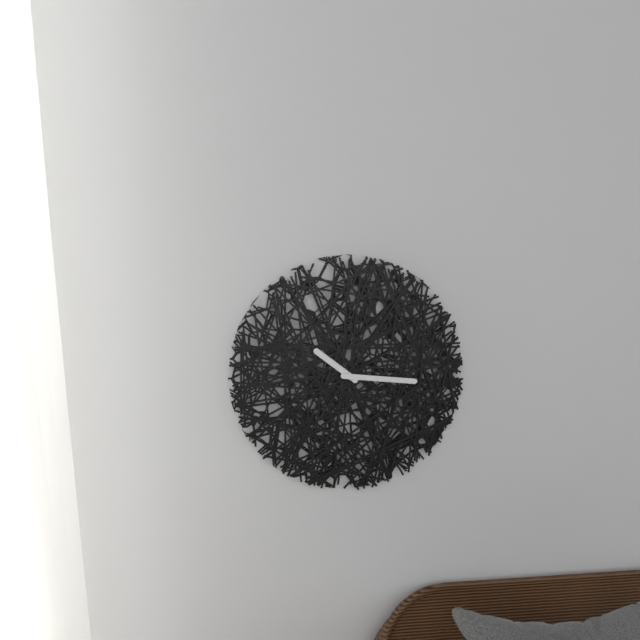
10:16
